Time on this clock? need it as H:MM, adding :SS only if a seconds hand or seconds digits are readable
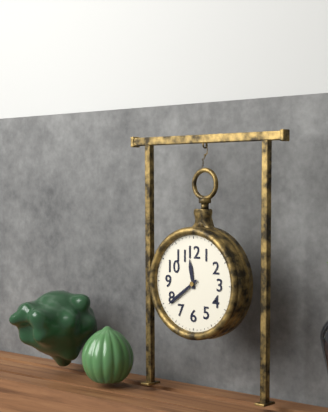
11:39
